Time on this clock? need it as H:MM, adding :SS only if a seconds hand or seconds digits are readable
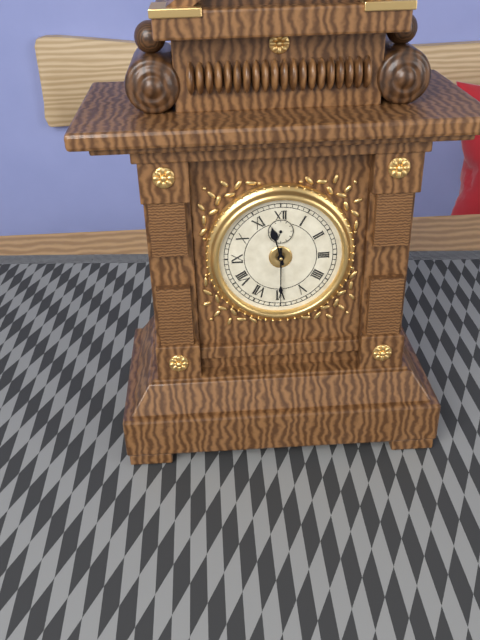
11:30
